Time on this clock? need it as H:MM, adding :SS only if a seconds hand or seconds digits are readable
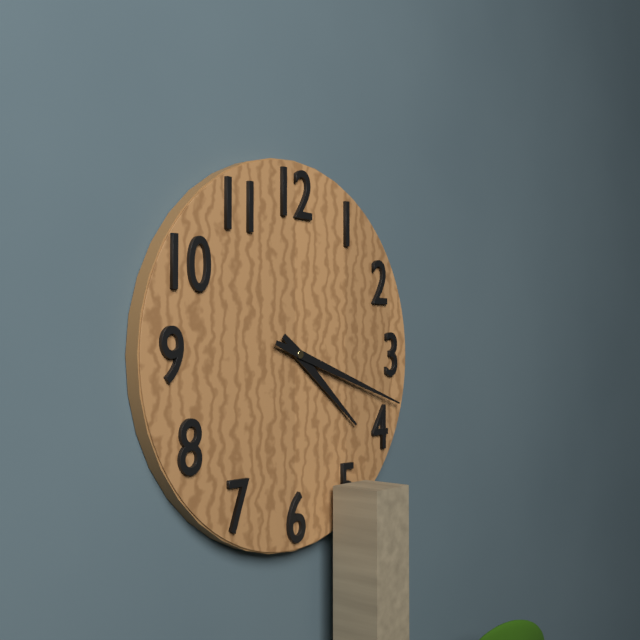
4:18
